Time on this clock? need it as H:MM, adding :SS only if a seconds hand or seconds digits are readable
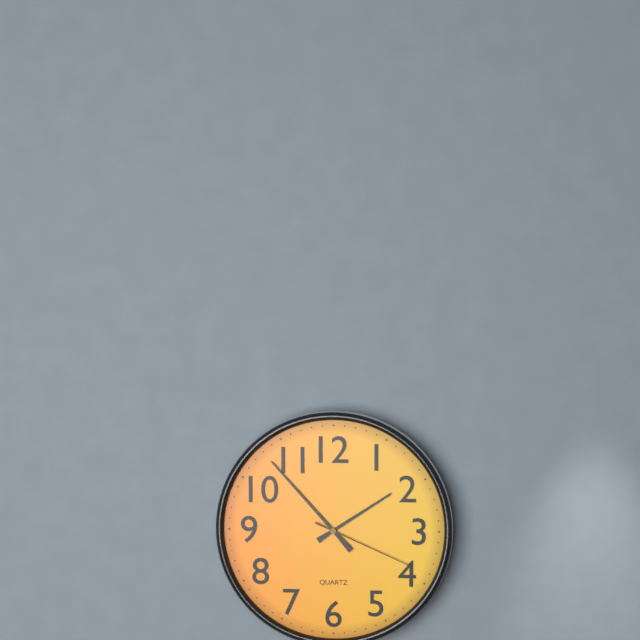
1:53:19
